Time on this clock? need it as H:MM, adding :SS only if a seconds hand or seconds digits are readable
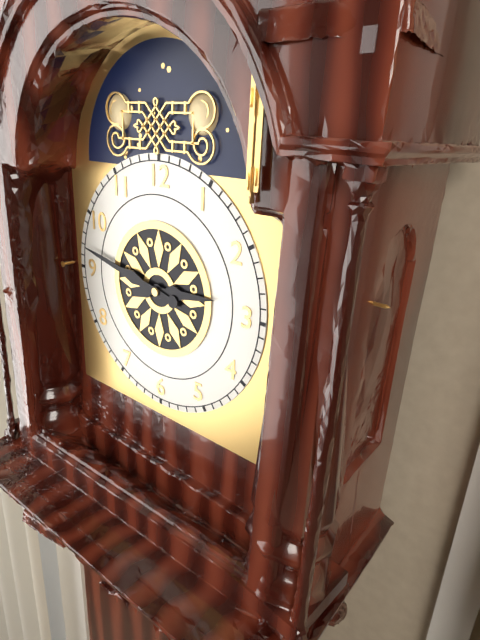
2:47
